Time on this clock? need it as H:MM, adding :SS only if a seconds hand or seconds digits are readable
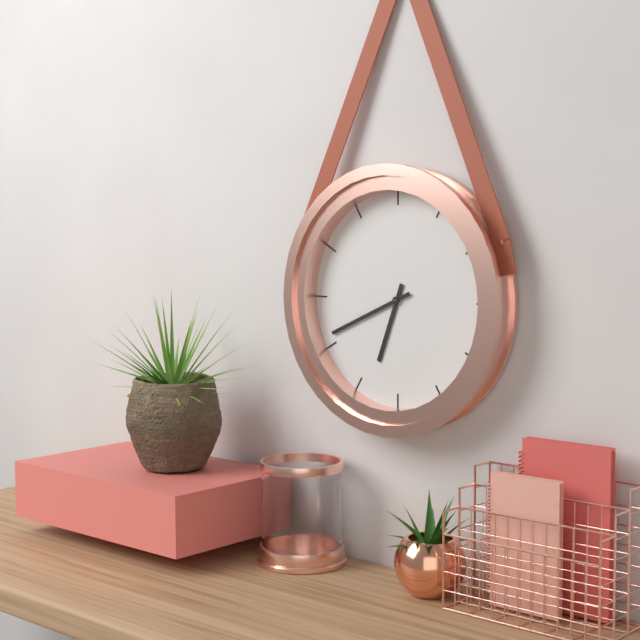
6:41
